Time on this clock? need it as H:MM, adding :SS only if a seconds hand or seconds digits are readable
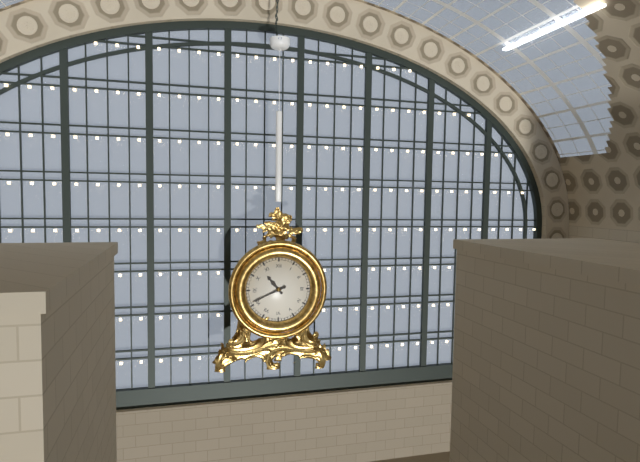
10:41
